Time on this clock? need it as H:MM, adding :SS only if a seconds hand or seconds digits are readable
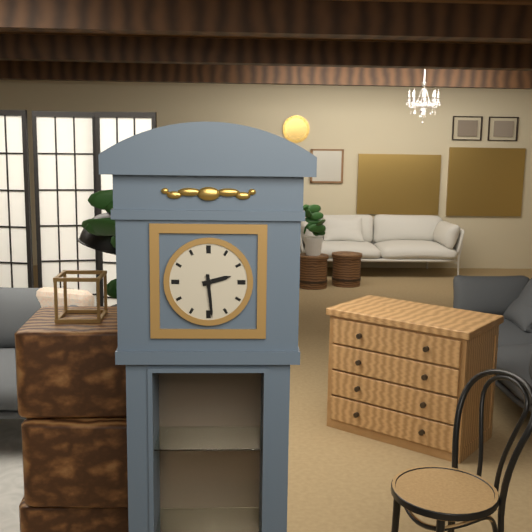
2:29
